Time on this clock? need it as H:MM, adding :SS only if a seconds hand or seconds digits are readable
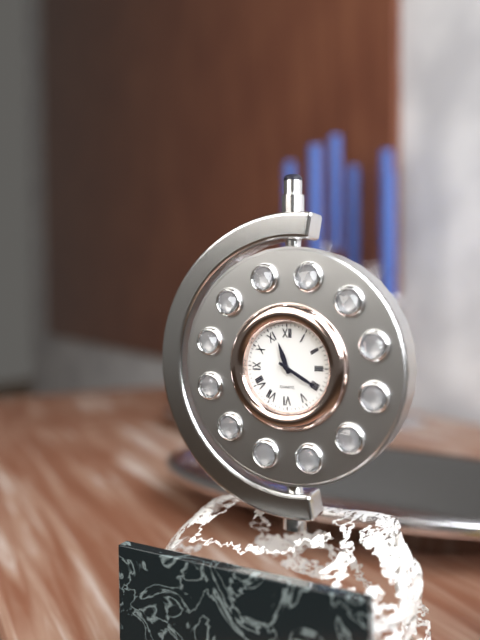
11:20
